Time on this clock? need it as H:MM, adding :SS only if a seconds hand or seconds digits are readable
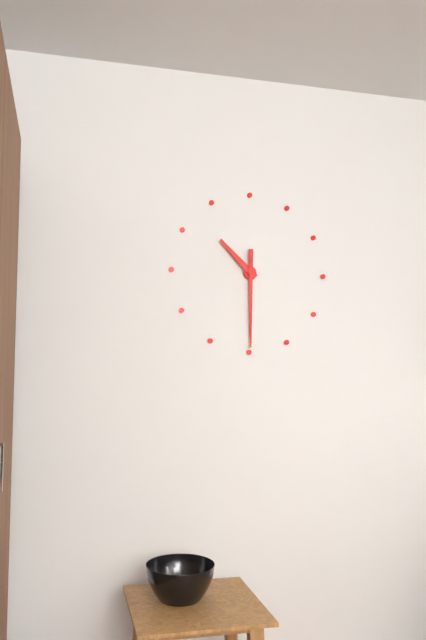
10:30
